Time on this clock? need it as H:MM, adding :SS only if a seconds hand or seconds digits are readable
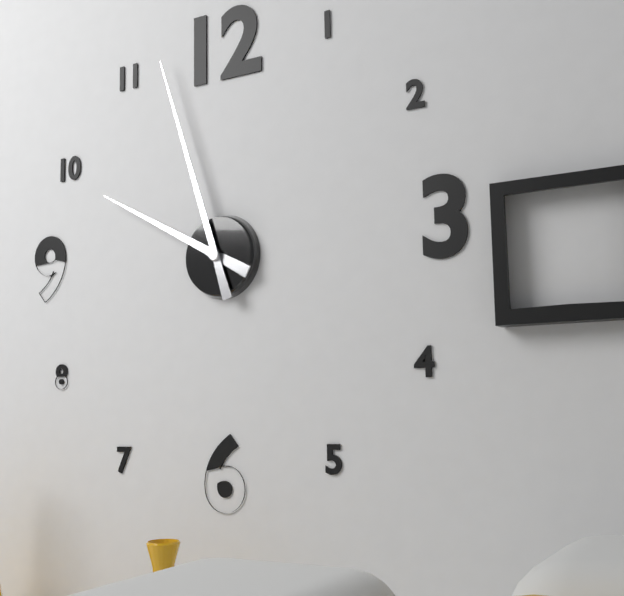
9:57
